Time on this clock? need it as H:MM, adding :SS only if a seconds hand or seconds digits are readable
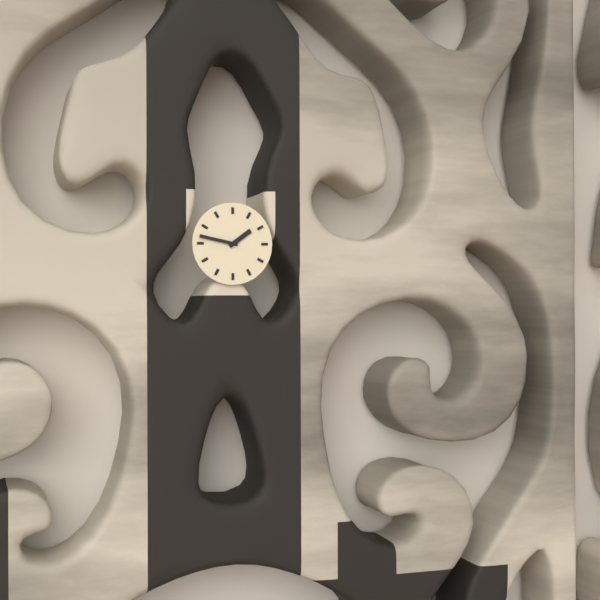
1:47
